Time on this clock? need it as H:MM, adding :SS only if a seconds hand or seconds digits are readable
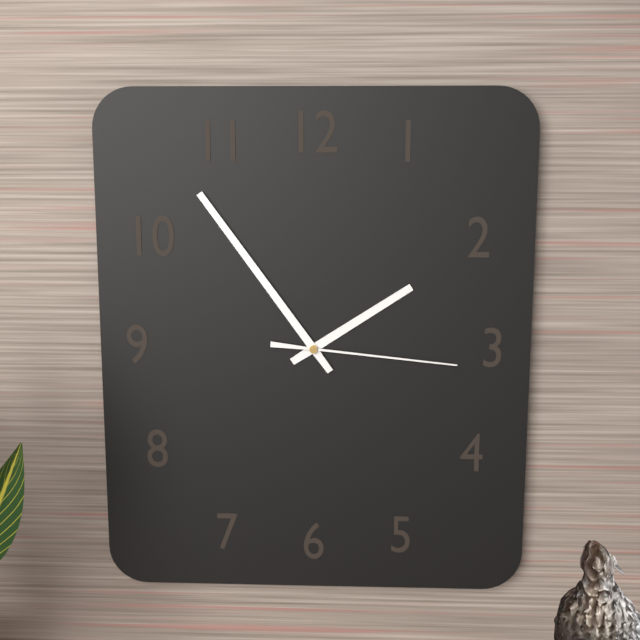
1:54:16
